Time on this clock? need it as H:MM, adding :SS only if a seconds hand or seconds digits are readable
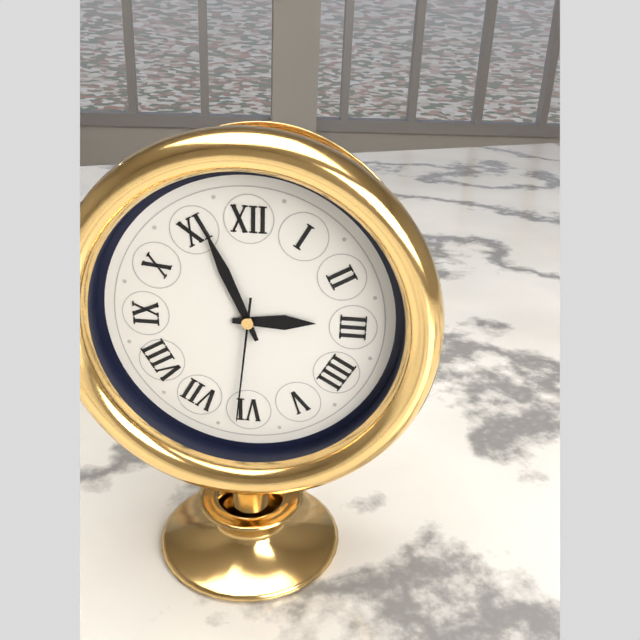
2:56:31
